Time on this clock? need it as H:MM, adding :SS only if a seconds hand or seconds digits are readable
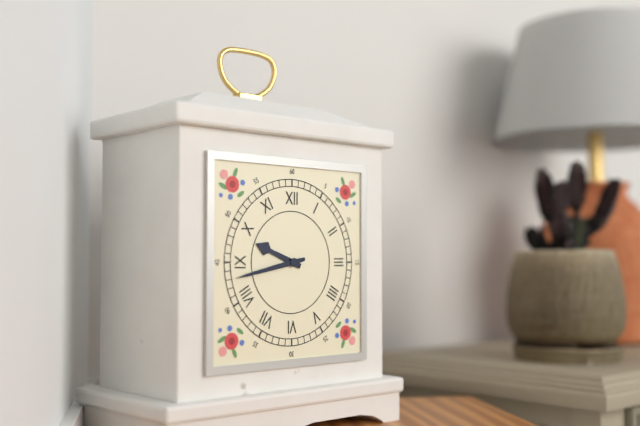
9:43
